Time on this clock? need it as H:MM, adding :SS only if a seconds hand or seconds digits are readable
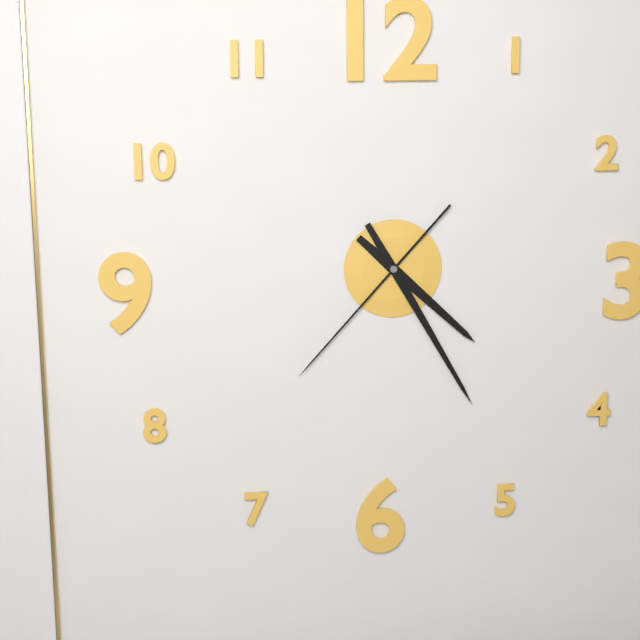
4:25:37
